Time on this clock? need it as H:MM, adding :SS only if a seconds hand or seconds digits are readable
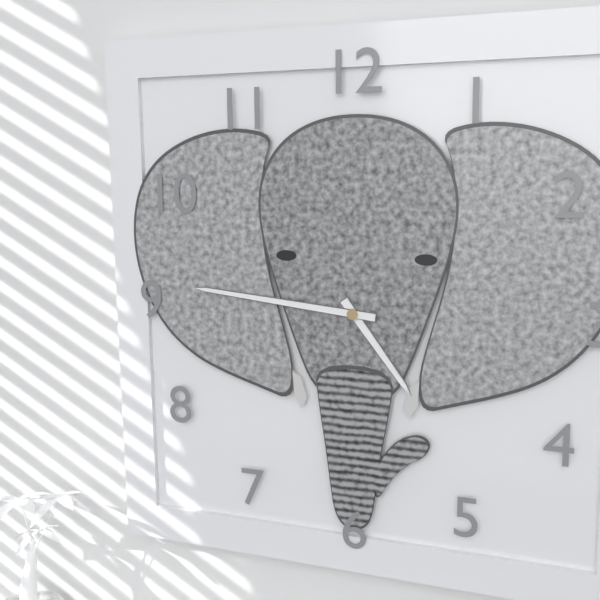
4:46
